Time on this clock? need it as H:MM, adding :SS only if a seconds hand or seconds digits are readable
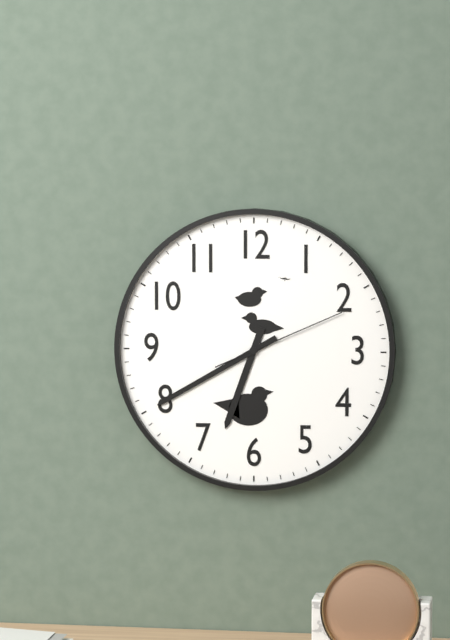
6:40:11
